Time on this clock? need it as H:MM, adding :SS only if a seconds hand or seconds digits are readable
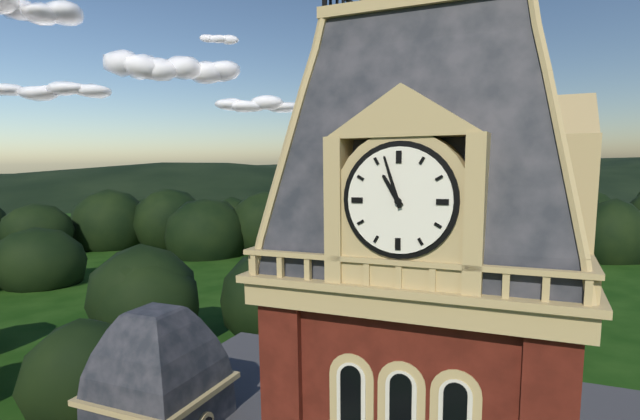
10:57
